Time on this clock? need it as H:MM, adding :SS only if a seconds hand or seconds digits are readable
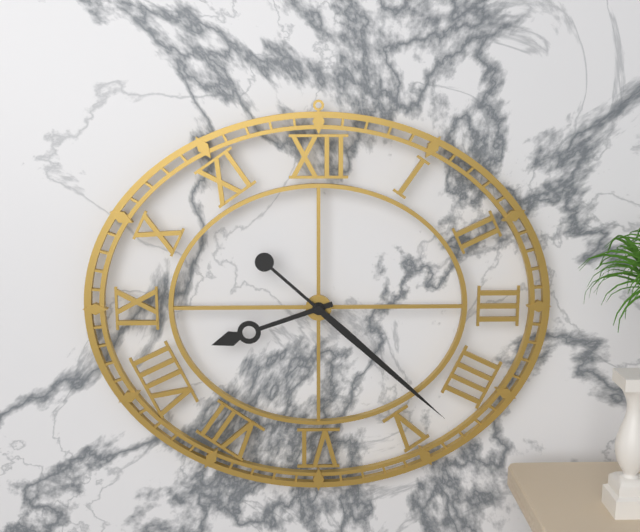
8:22
